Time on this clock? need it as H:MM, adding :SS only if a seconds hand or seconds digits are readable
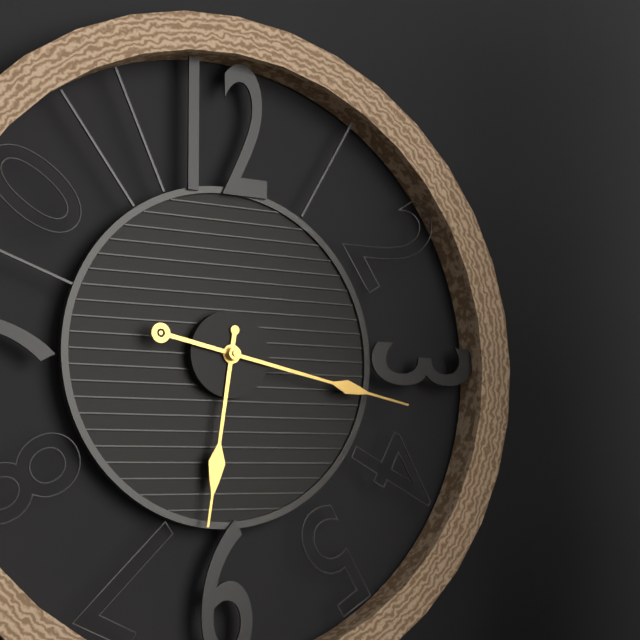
6:17
